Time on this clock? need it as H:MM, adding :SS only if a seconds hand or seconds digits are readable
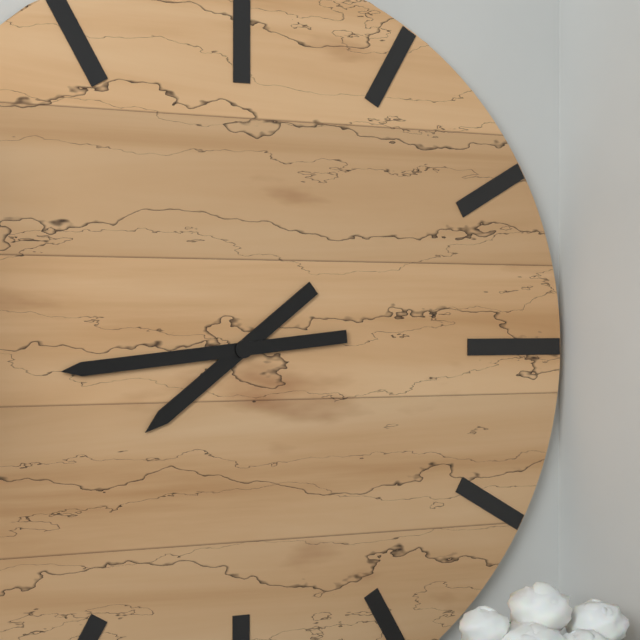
7:44
